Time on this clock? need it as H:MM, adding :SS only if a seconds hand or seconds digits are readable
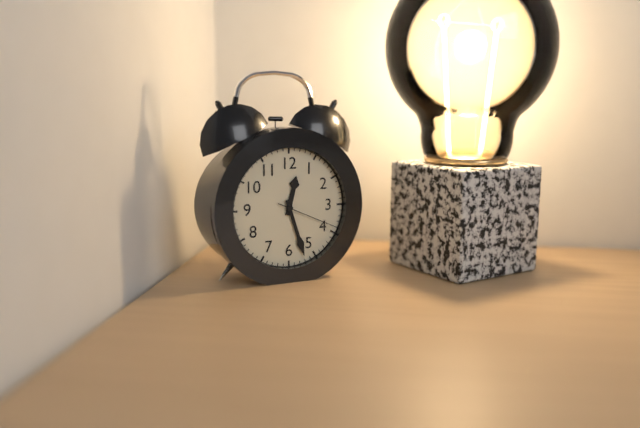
12:27:19
